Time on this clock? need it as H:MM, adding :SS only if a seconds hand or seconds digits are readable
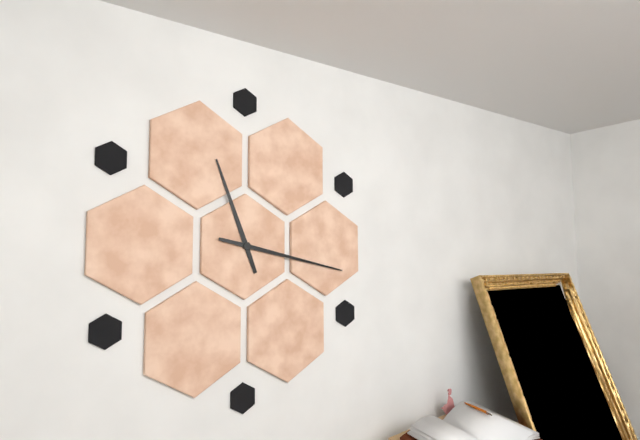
11:17
